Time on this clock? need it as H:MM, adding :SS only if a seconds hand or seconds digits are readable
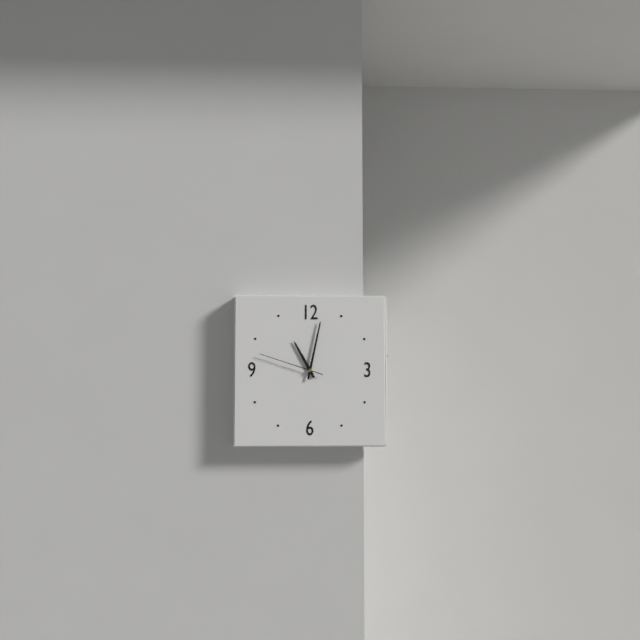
11:02:48
